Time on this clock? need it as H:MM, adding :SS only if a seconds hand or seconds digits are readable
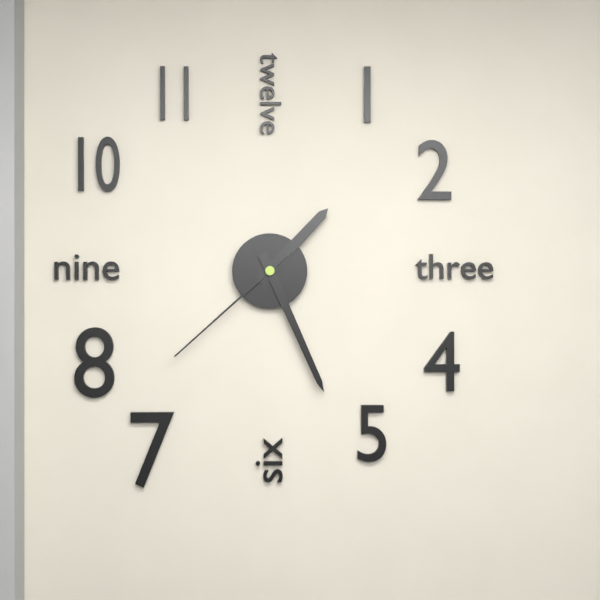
1:26:38
